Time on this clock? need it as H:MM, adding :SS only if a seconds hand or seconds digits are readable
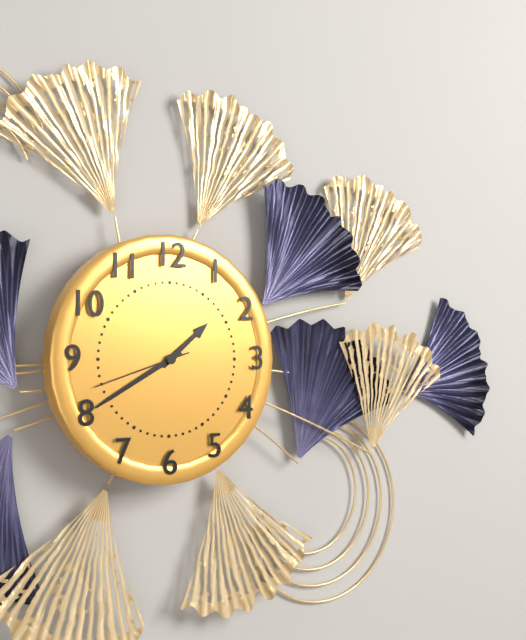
1:40:42
